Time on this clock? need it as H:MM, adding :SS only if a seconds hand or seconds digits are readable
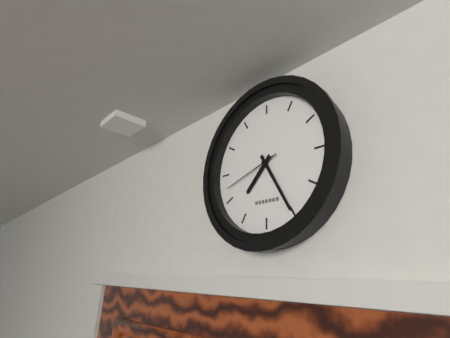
7:25:42
